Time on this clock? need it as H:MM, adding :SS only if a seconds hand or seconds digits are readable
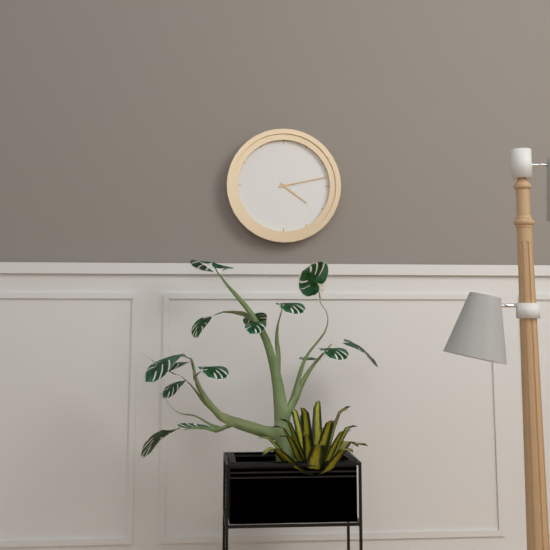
4:13
